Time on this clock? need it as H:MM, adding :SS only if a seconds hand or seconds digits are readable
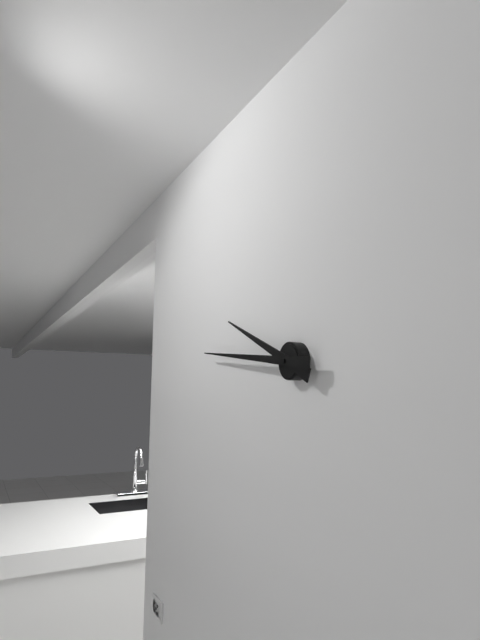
9:46
